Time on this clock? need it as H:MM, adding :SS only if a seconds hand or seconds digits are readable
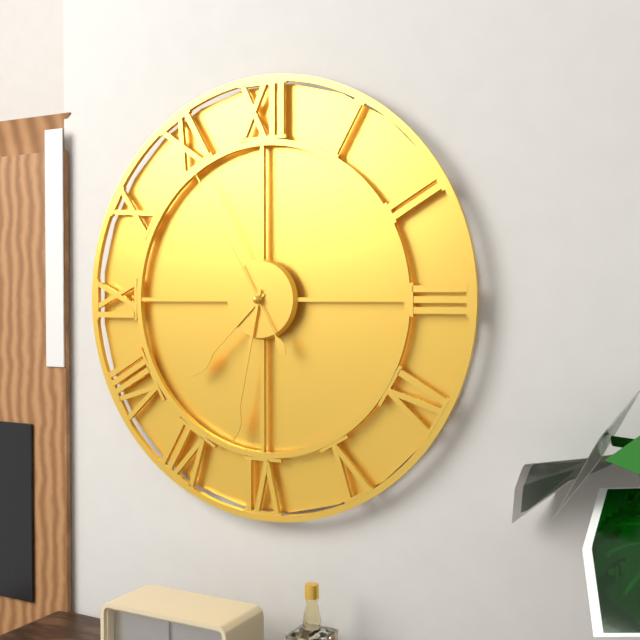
7:32:55
